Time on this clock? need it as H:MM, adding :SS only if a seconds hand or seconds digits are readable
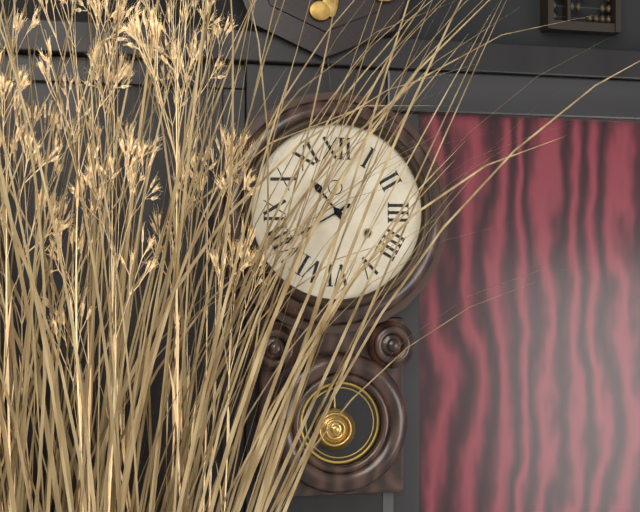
10:40
